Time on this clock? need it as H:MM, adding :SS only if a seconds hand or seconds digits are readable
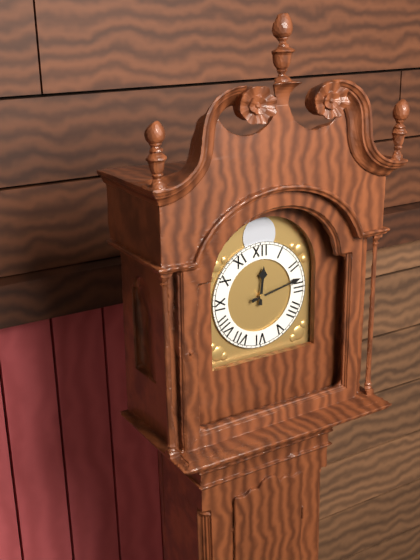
12:13
